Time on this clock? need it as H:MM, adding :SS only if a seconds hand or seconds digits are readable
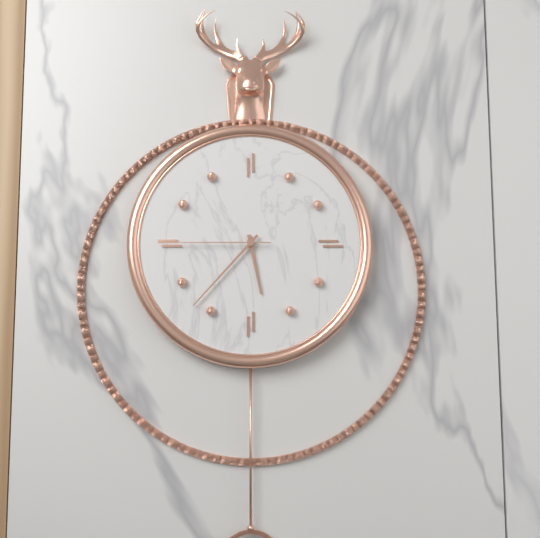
5:37:45
